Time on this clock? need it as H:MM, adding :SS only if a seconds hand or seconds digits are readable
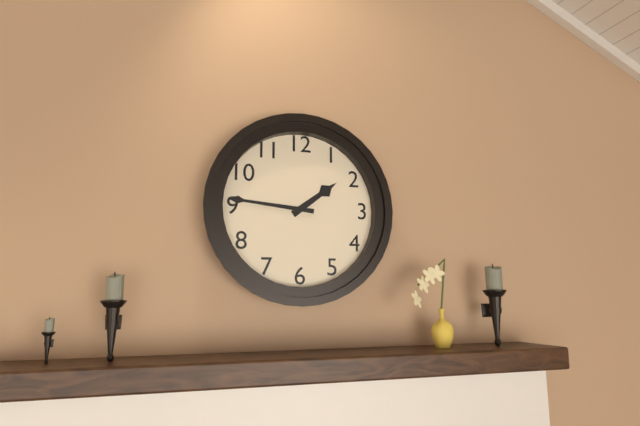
1:46
